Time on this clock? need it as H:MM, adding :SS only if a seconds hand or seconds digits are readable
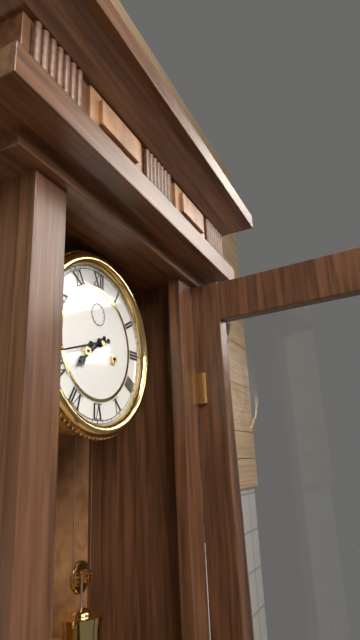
7:42
